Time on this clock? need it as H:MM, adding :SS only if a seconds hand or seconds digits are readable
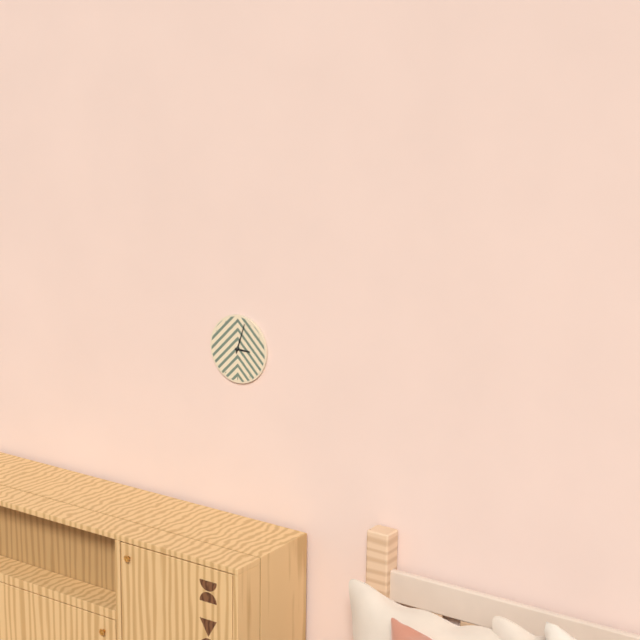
3:03
